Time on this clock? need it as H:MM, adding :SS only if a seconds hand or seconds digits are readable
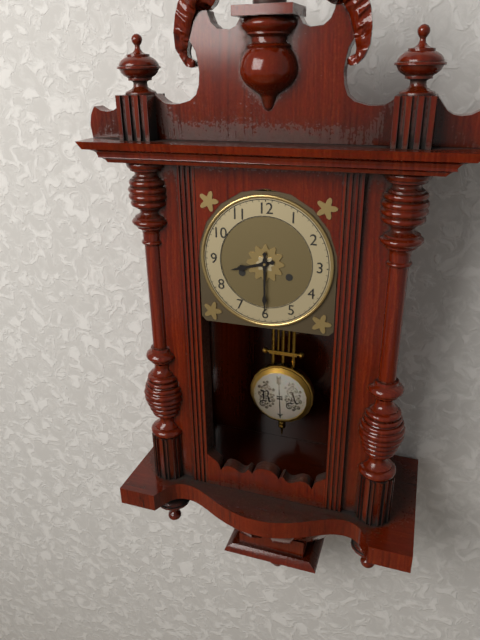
8:30
